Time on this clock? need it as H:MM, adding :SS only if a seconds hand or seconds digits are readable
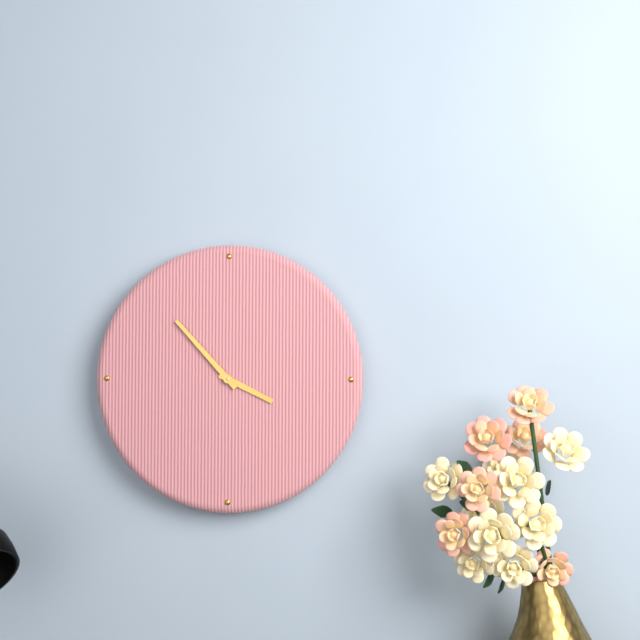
3:53
